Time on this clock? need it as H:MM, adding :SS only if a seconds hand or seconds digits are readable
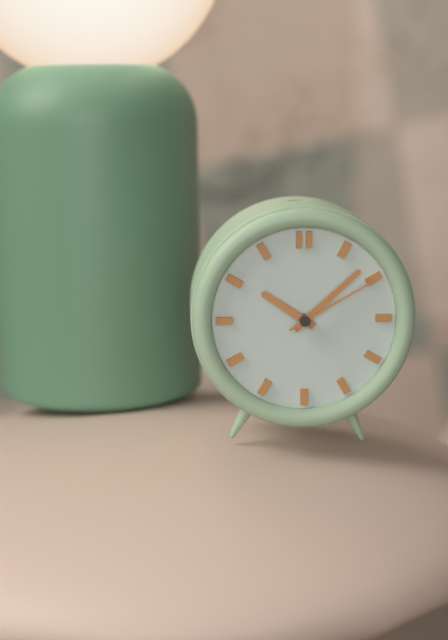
10:08:10
